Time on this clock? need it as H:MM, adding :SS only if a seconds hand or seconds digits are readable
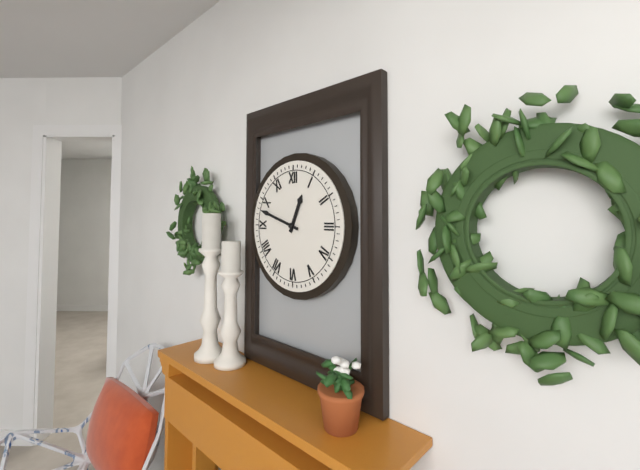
12:48
